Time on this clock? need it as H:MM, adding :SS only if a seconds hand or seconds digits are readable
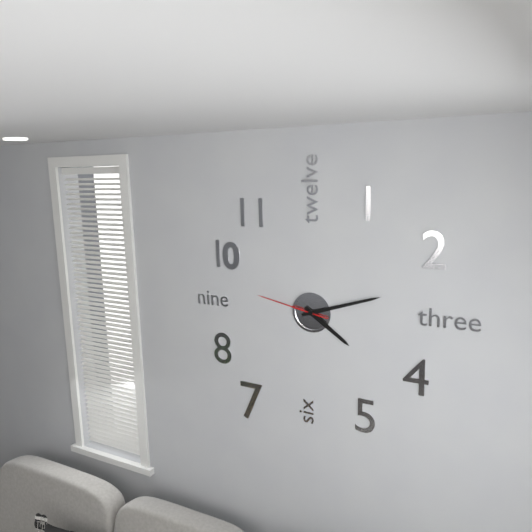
4:12:47
